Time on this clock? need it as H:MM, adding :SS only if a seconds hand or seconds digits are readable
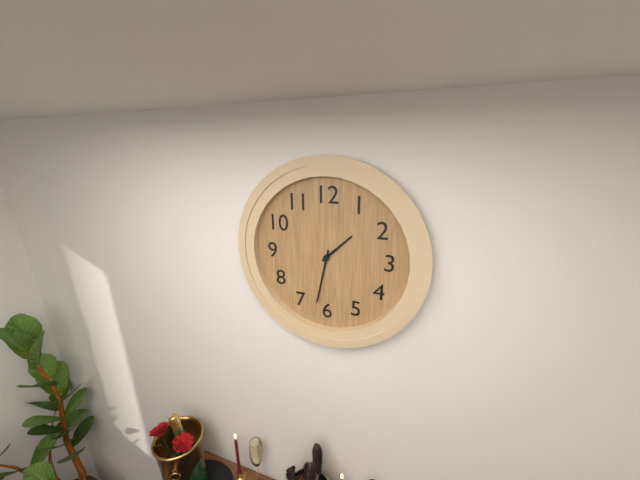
1:32
